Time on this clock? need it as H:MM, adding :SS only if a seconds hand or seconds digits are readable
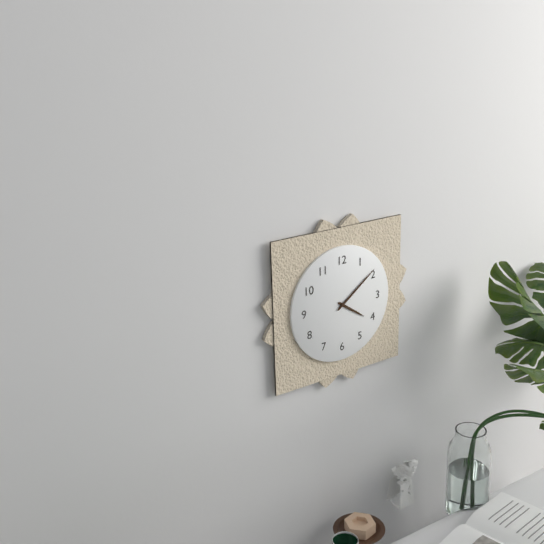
4:09
